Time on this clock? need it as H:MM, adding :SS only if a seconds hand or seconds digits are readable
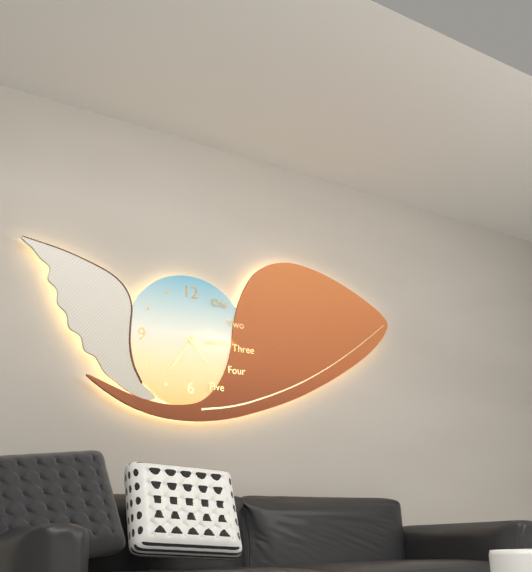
4:36
